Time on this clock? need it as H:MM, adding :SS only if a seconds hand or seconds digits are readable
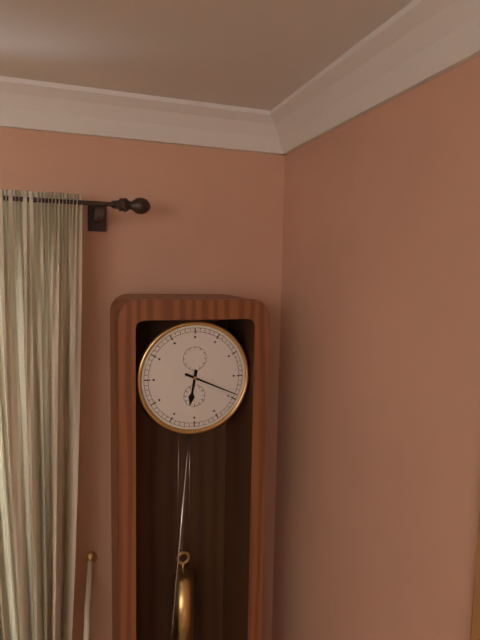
6:19
